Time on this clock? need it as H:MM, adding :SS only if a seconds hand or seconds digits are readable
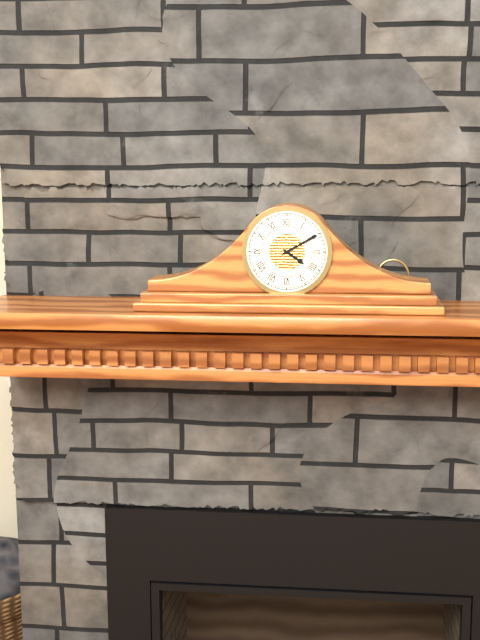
4:10
